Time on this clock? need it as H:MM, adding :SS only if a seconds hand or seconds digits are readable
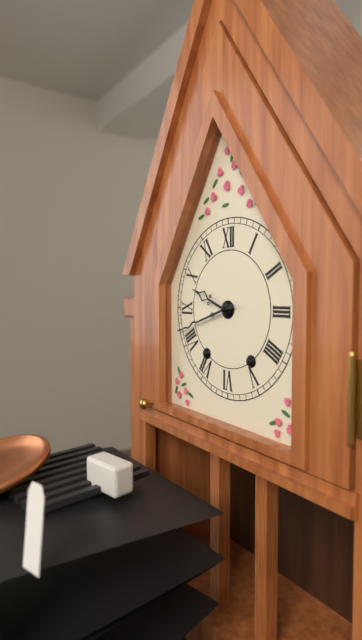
9:42
